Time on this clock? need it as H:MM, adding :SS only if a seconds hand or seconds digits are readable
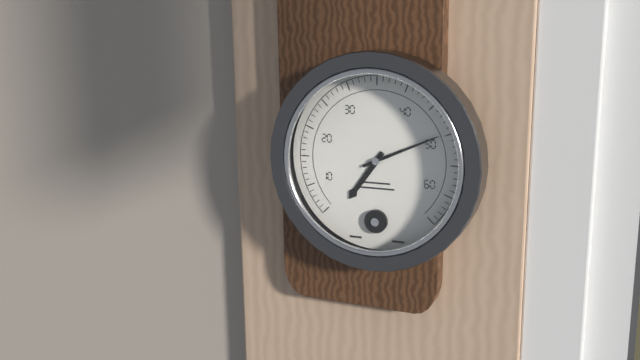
7:11
